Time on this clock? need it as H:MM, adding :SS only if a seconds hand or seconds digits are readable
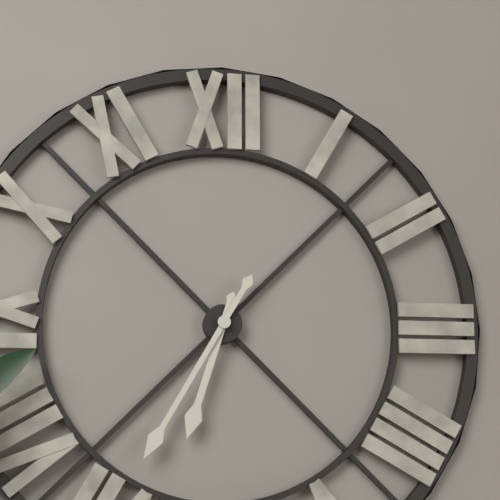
6:35
